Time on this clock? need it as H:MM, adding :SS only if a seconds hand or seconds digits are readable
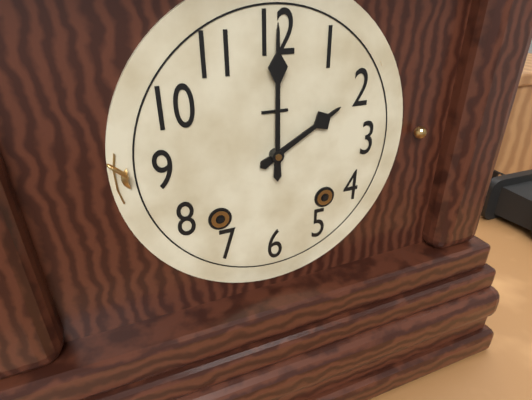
2:00
